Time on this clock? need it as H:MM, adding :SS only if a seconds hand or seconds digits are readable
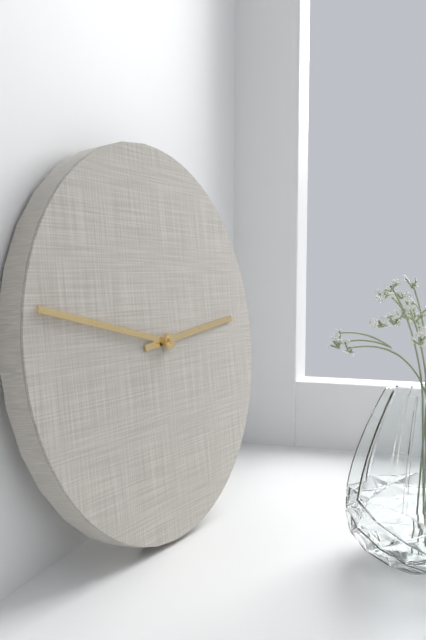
2:47
